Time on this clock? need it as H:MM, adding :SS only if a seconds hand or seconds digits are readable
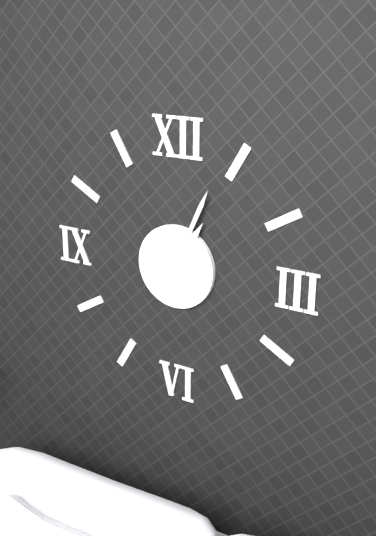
1:04
